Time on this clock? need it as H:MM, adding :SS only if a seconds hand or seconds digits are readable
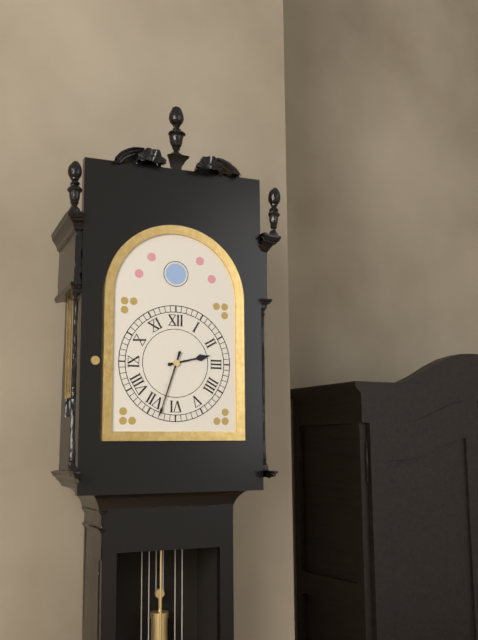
2:33
